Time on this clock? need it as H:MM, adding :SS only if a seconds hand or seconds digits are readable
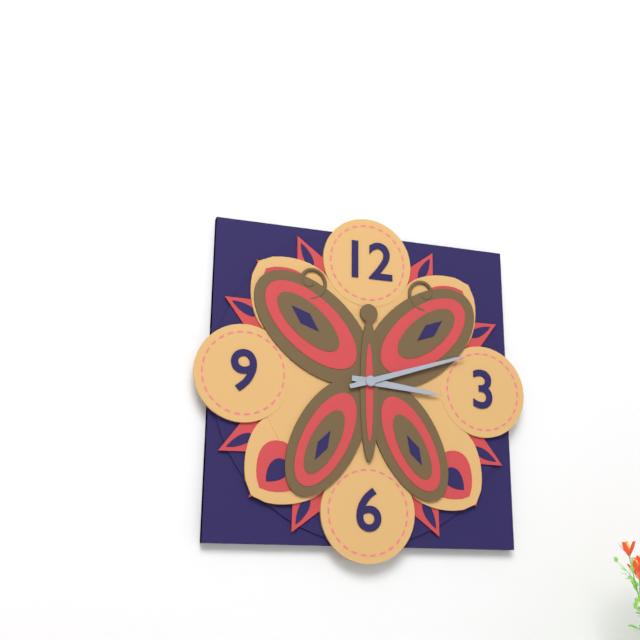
3:12
